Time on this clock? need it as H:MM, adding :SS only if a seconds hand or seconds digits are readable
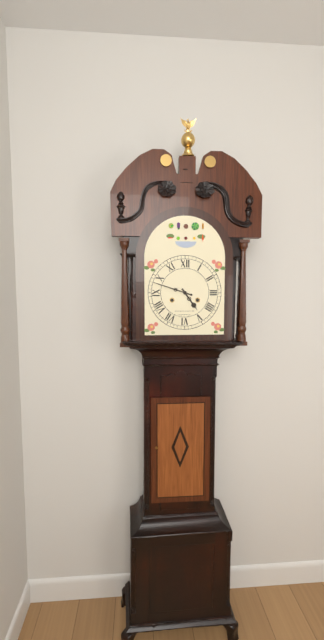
4:48
